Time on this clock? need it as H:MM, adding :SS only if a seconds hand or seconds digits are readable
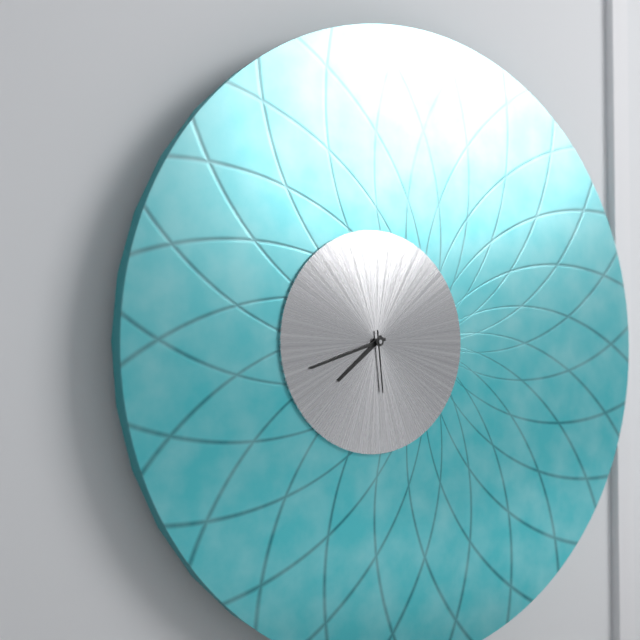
7:42:29
